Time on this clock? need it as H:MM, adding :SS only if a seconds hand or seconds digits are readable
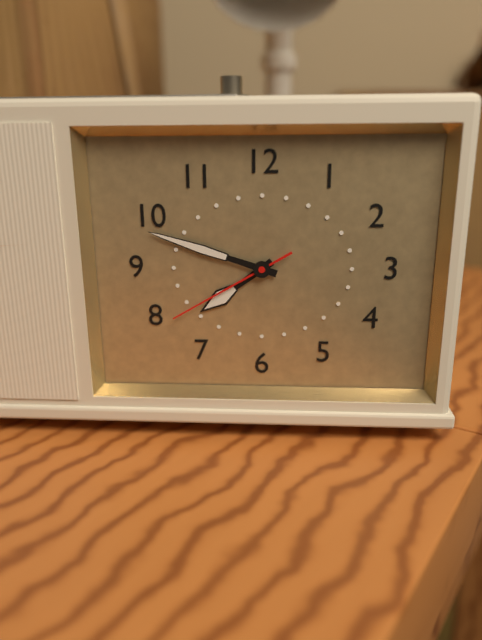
7:48:40
